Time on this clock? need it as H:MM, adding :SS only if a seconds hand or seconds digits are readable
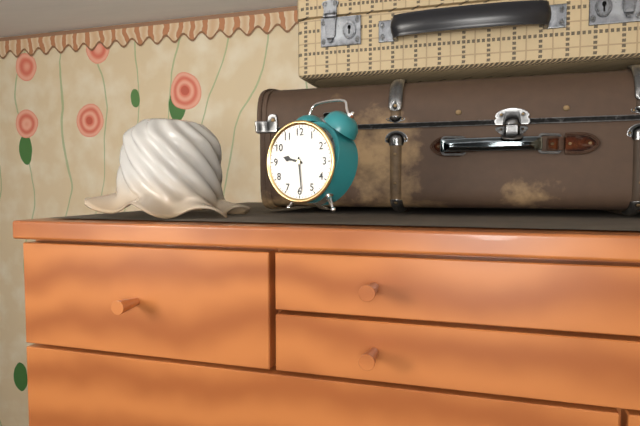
9:29
